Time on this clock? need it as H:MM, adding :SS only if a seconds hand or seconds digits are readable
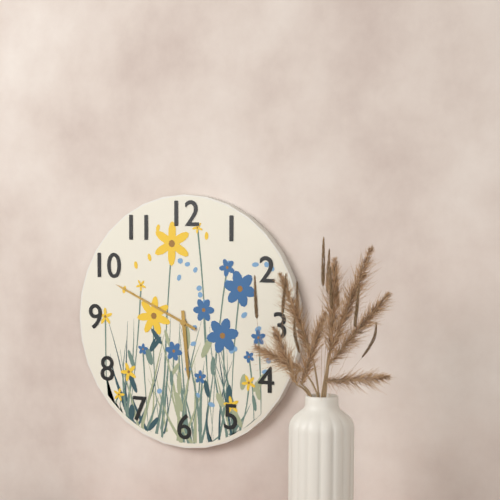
5:49
